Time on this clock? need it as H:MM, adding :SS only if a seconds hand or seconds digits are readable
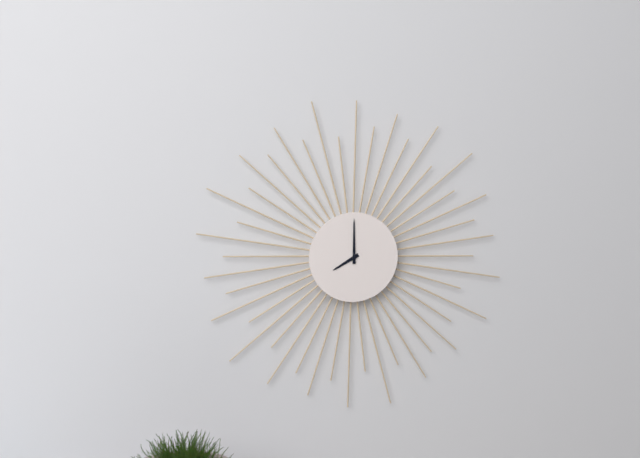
8:00
